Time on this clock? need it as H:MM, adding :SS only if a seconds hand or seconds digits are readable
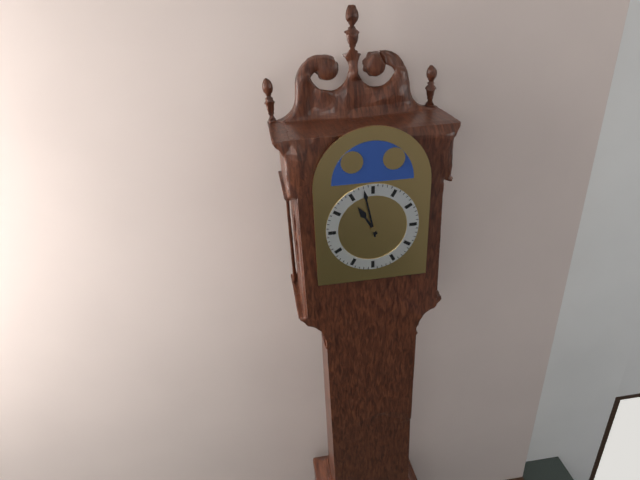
10:58
